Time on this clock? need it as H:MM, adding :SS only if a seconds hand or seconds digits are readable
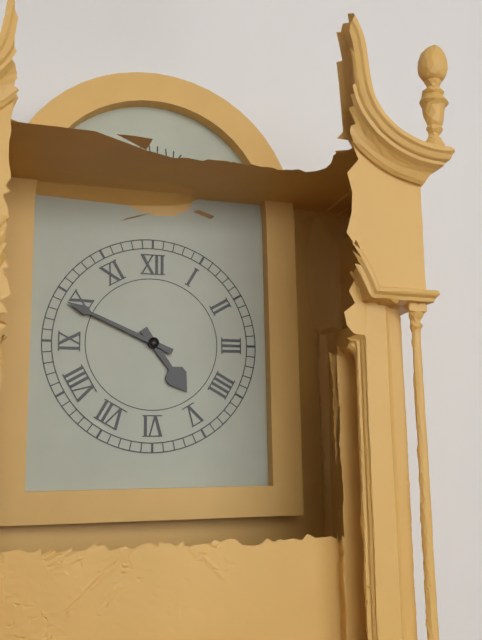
4:49
